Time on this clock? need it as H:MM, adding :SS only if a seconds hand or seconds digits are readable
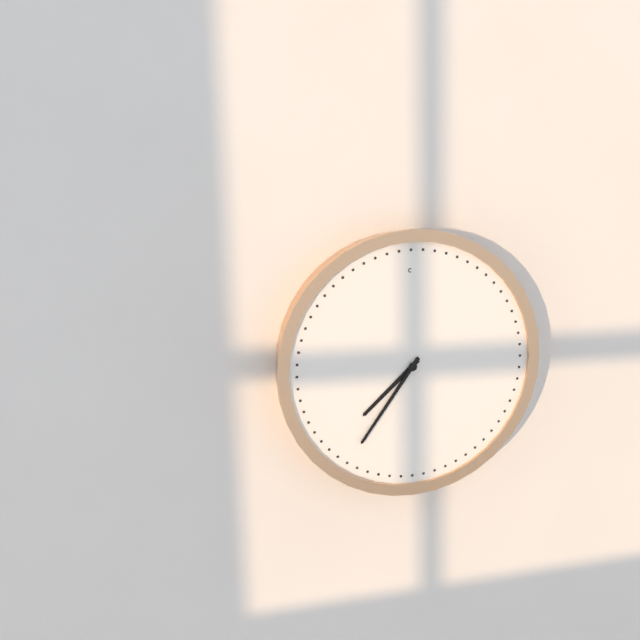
7:36
